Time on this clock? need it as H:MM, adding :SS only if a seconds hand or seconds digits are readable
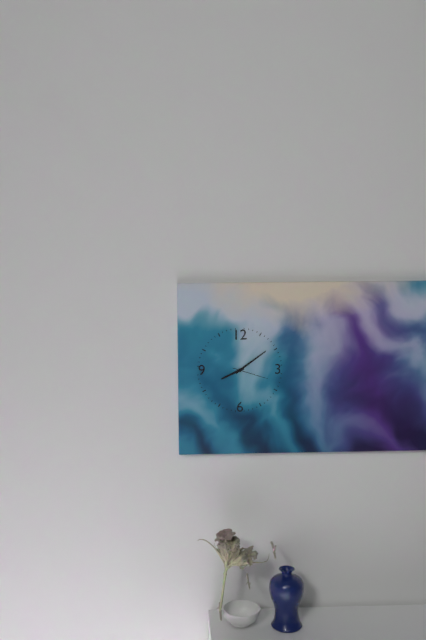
8:09
